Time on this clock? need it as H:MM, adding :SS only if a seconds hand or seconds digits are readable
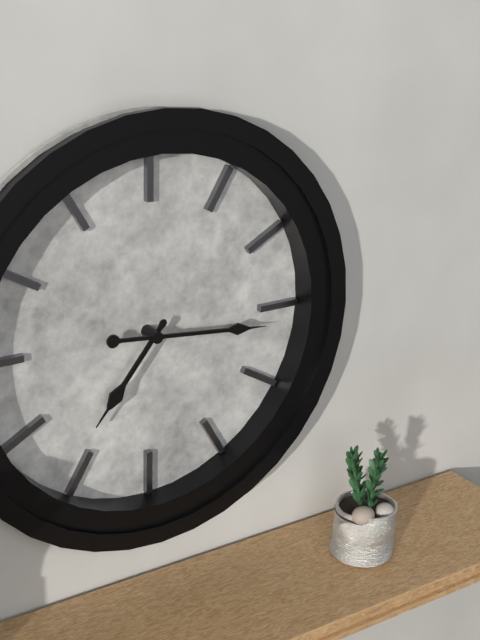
7:16
